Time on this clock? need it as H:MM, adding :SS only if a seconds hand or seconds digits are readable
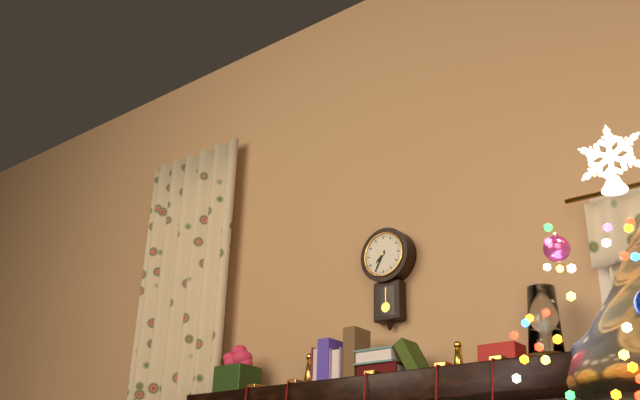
7:35
